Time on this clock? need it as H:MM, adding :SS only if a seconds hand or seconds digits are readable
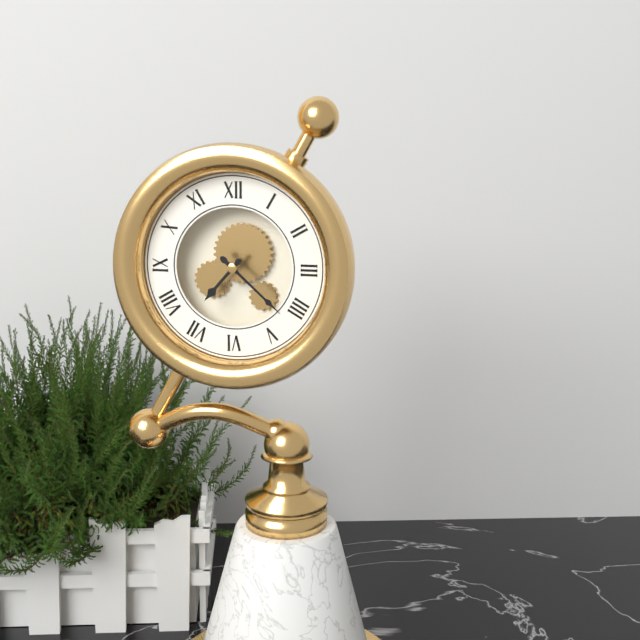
7:22
